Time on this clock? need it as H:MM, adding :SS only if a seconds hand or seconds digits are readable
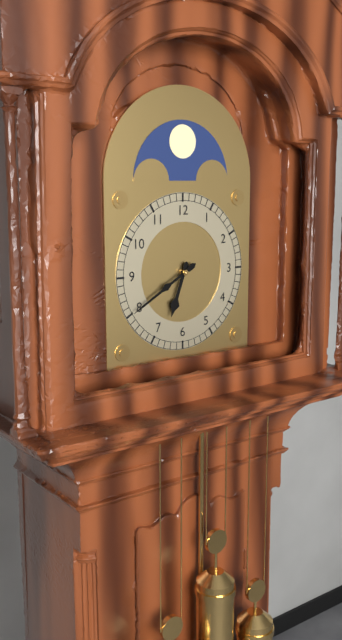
6:40
